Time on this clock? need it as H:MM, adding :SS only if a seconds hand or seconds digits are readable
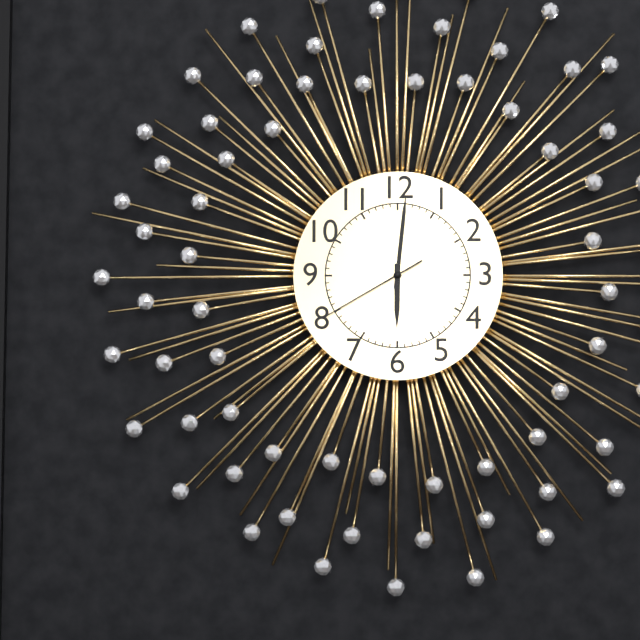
6:01:40
